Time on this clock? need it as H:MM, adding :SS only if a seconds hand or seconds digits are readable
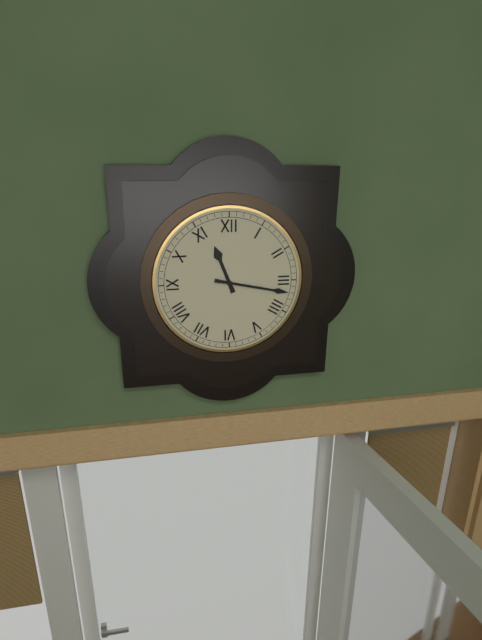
11:17
